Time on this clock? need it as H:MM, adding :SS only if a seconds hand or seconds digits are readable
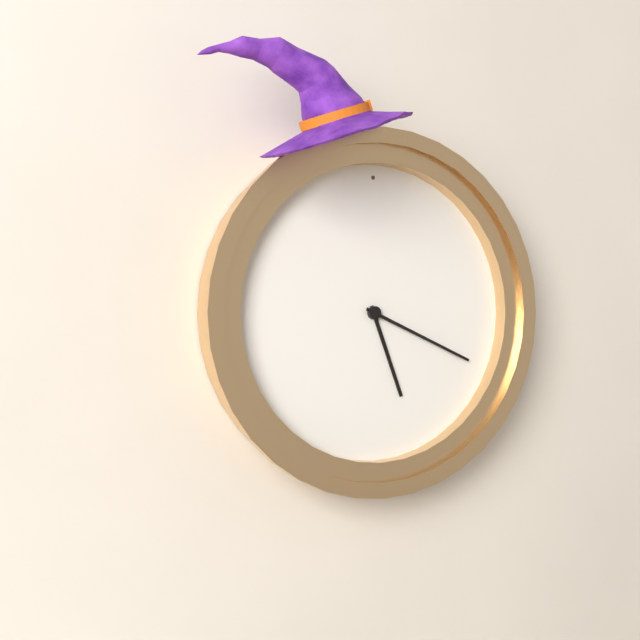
5:19
